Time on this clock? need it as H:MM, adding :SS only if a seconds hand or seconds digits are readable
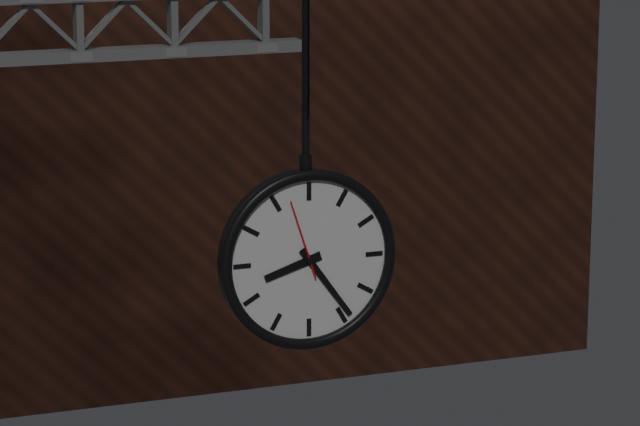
8:24:57
